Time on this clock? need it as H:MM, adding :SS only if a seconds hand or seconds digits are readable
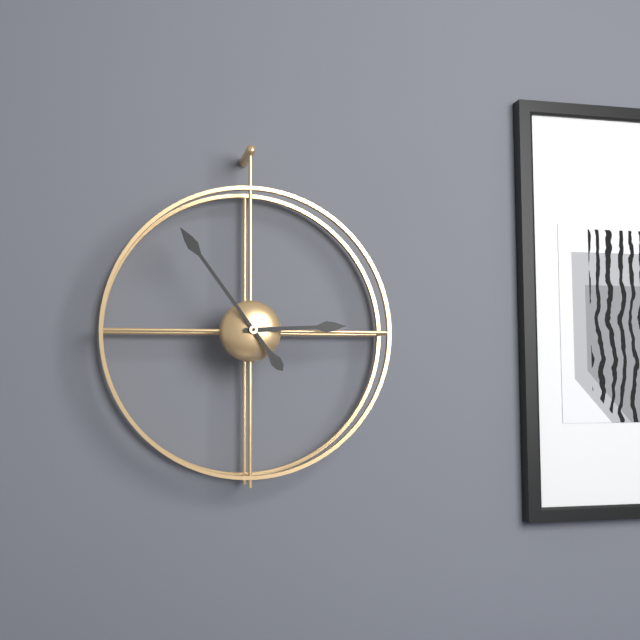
2:54
